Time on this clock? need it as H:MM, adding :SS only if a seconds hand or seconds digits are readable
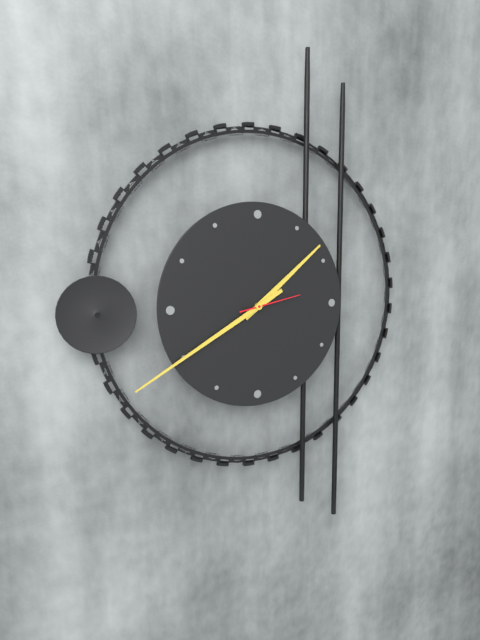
1:40:13
